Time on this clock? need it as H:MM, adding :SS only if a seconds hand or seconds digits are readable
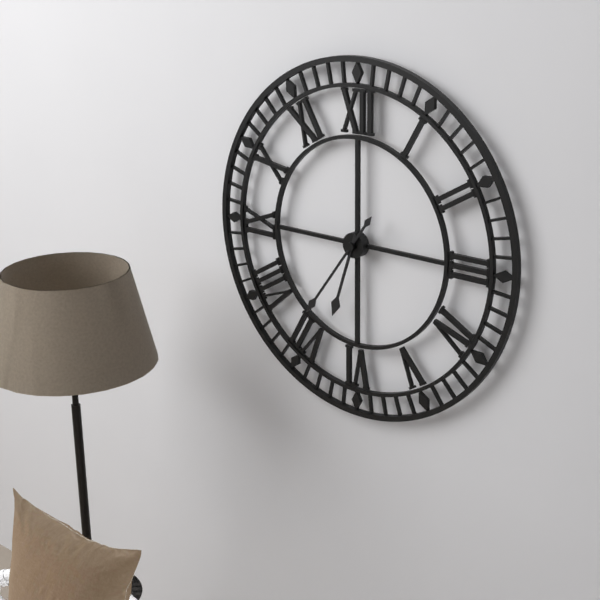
6:36
